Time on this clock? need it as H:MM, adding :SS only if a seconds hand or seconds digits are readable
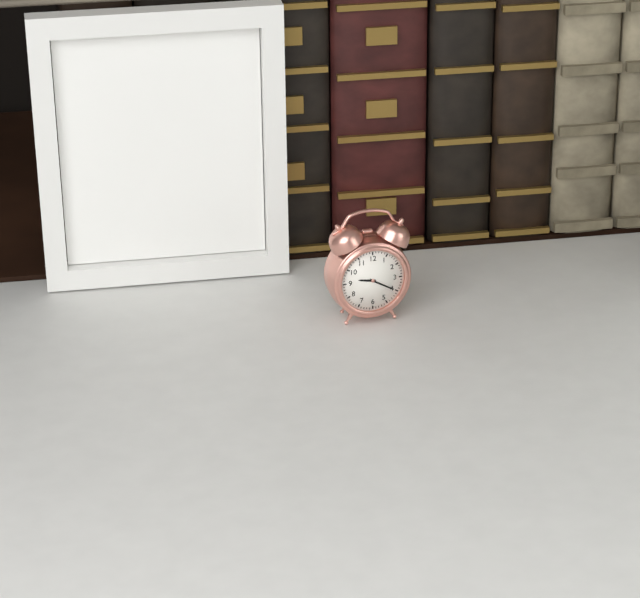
9:20
